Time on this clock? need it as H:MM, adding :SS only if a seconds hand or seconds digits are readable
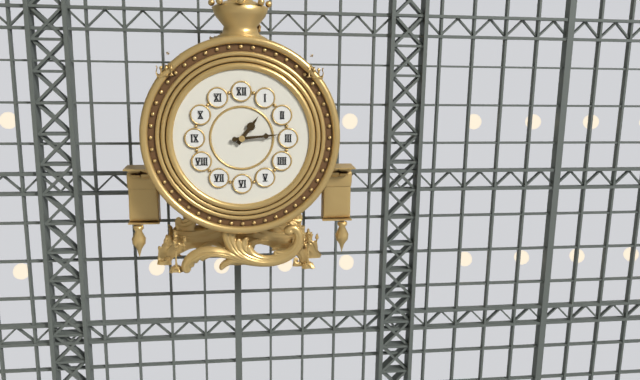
1:14
